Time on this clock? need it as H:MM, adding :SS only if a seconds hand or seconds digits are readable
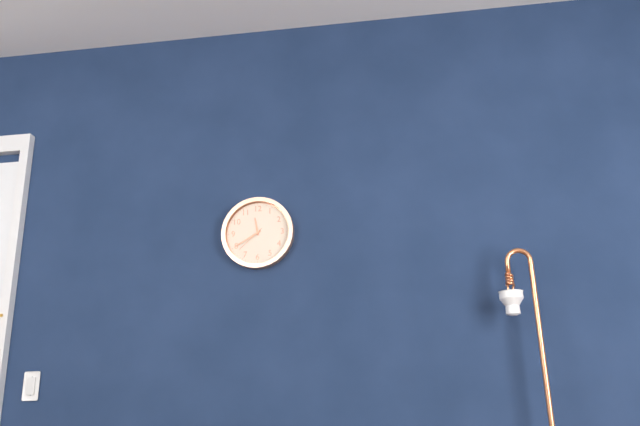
11:40
